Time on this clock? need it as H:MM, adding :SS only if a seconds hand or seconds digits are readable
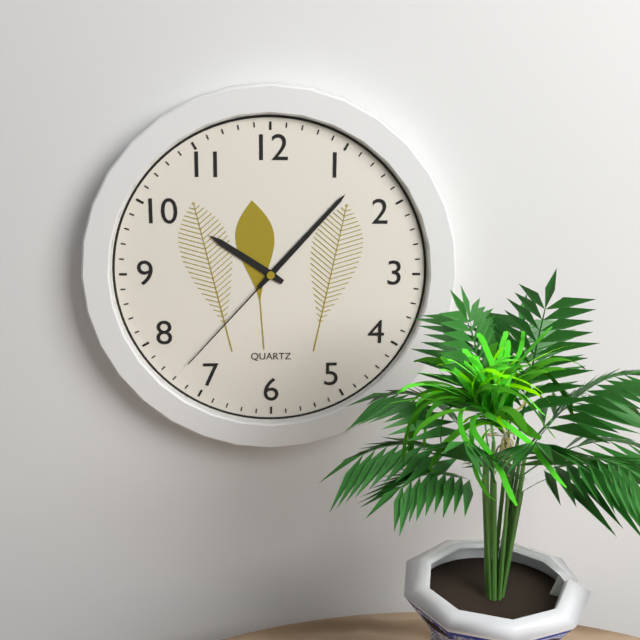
10:07:37
